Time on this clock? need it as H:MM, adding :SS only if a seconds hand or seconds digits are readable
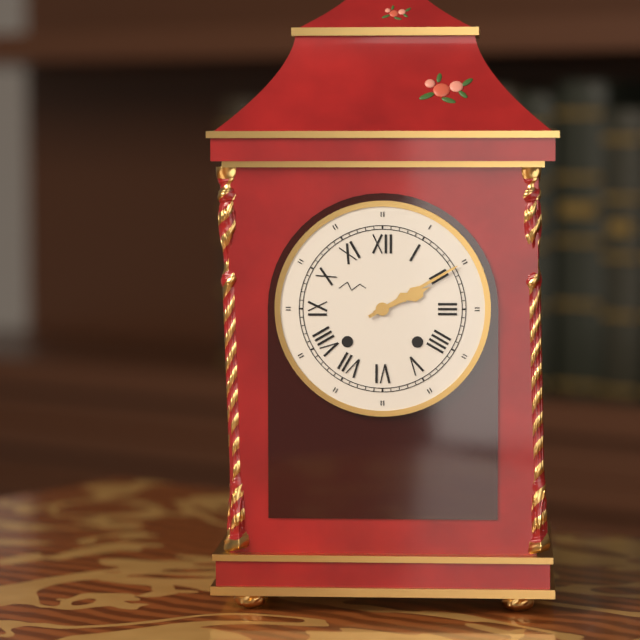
2:10
